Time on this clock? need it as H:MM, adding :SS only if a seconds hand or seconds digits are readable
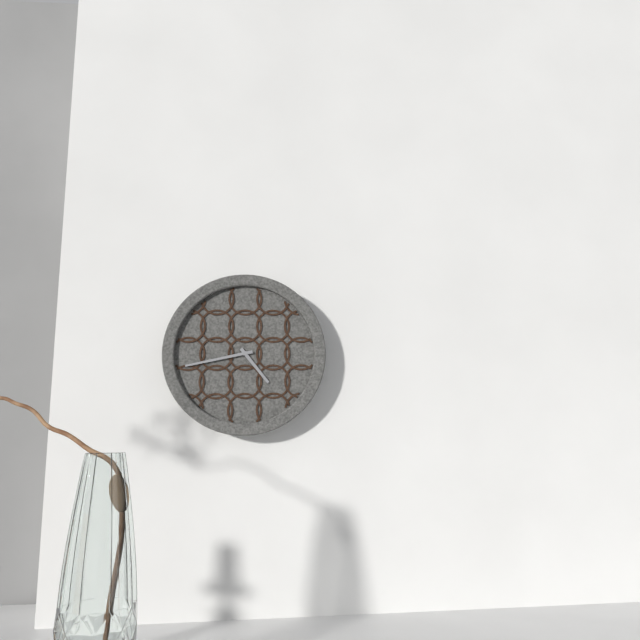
4:43
